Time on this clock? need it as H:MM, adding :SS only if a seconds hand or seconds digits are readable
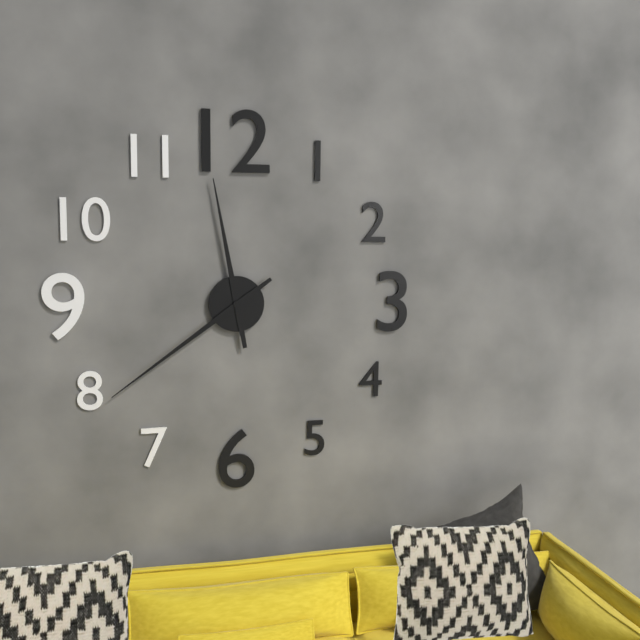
11:39
